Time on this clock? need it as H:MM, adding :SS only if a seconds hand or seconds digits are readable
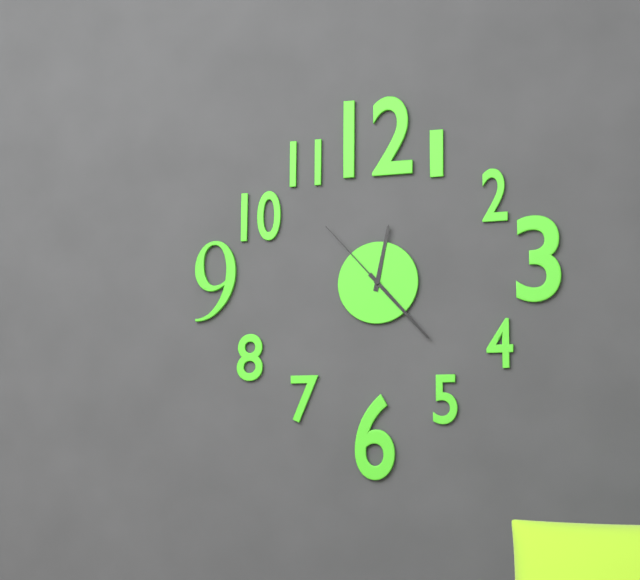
12:23:53
